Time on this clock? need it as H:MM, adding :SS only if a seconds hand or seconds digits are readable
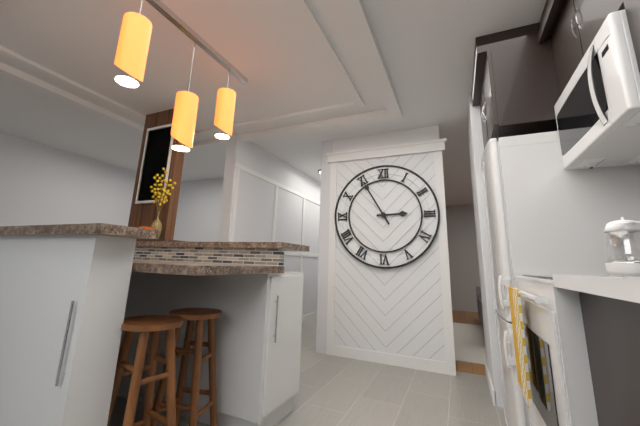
2:55
